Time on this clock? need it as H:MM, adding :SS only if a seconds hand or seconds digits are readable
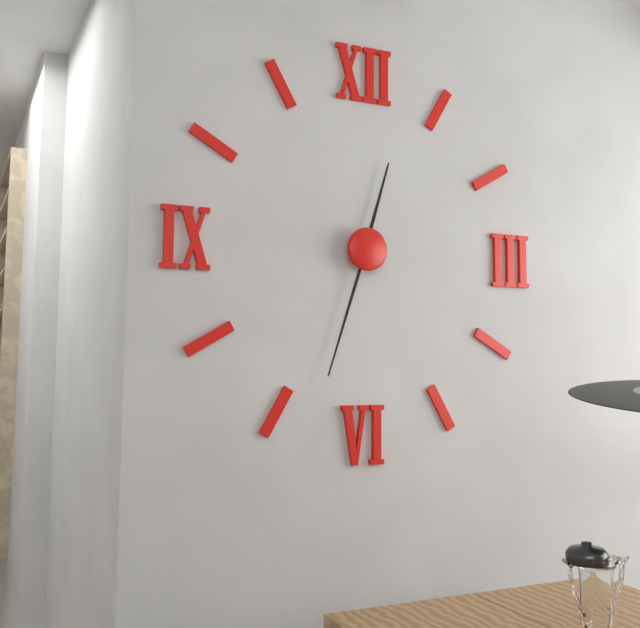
12:33
